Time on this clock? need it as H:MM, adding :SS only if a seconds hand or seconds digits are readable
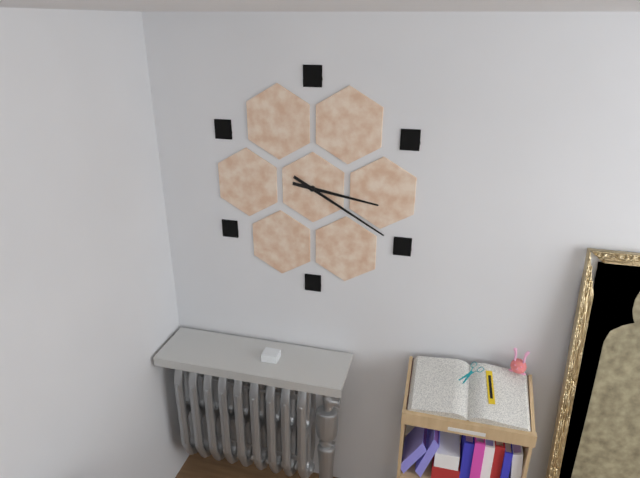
3:20
